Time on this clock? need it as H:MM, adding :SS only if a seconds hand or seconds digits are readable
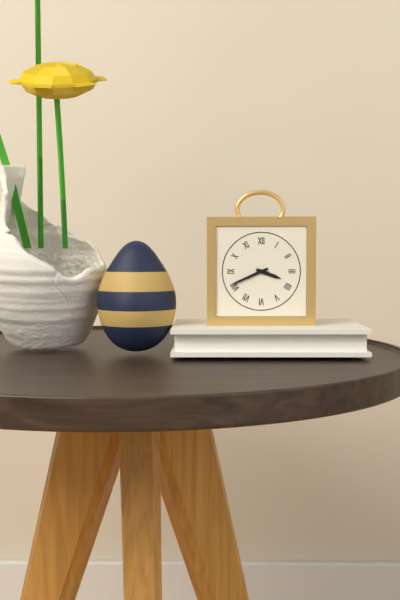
3:41
